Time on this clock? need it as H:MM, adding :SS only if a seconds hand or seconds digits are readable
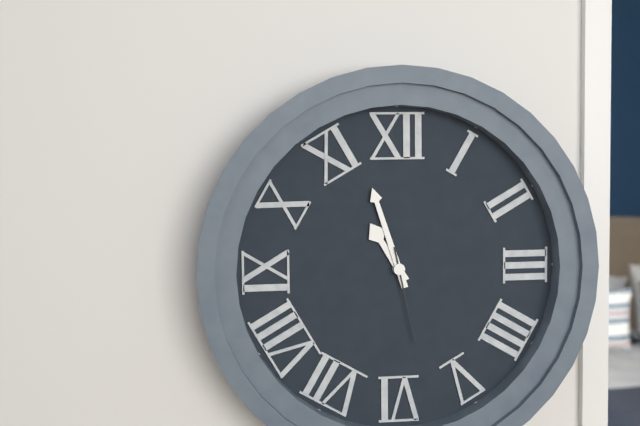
10:57:28
